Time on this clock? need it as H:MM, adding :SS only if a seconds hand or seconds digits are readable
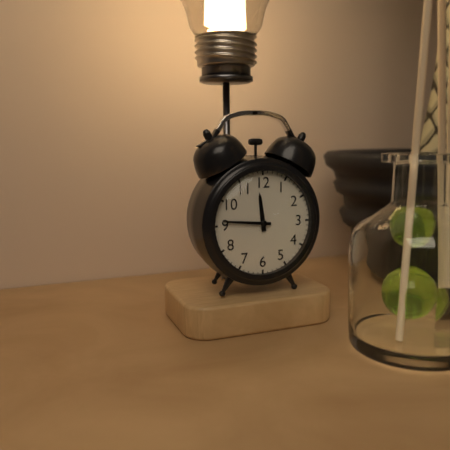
11:46
